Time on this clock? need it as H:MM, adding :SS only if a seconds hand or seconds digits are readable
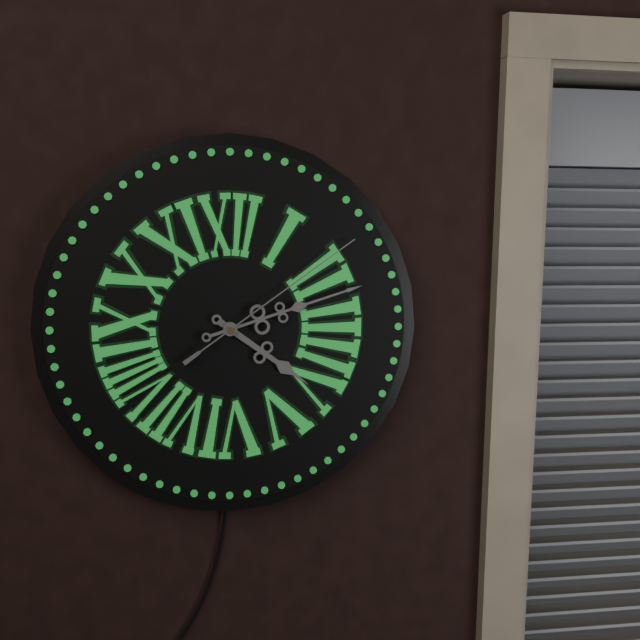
4:12:09
